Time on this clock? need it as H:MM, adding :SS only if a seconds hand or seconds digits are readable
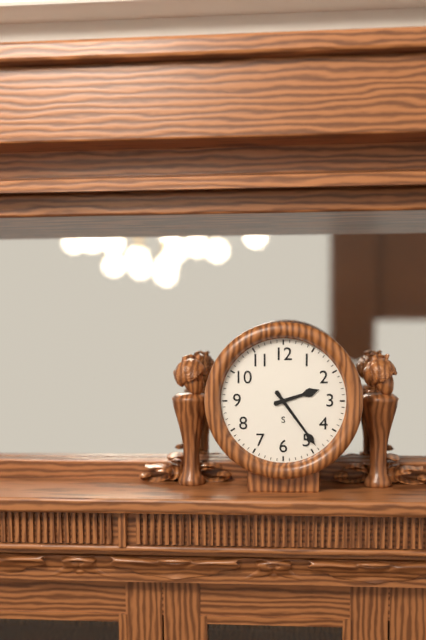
2:24
